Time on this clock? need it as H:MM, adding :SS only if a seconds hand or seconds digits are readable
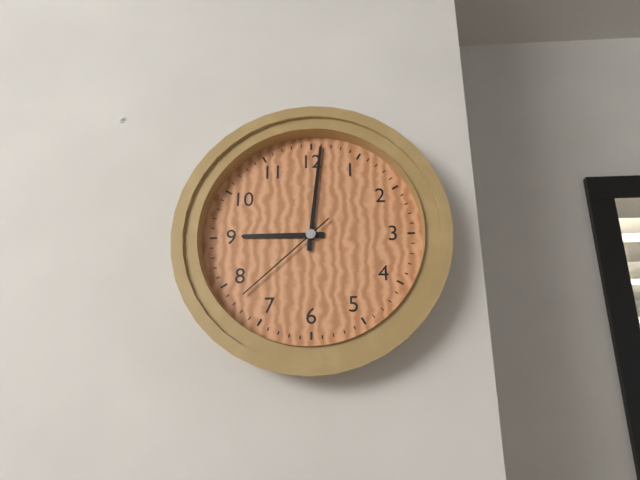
9:01:38
